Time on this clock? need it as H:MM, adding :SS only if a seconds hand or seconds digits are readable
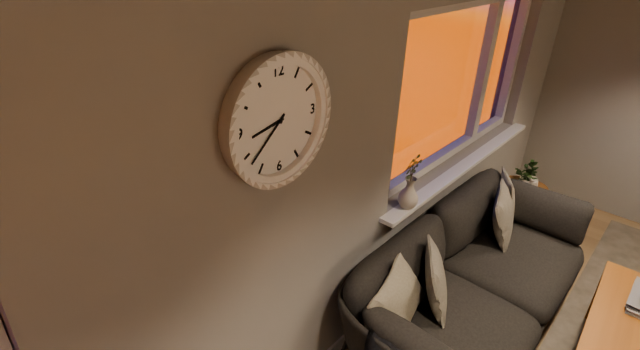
8:38
